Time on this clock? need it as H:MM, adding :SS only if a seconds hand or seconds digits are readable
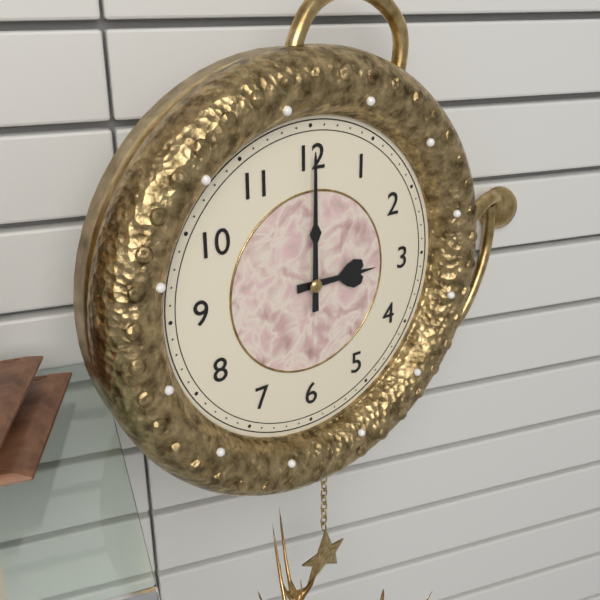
3:00
